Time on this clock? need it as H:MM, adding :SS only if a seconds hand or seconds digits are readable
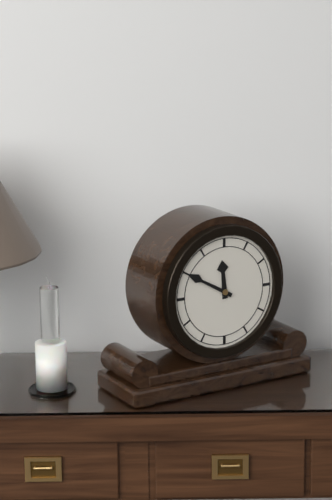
11:50
